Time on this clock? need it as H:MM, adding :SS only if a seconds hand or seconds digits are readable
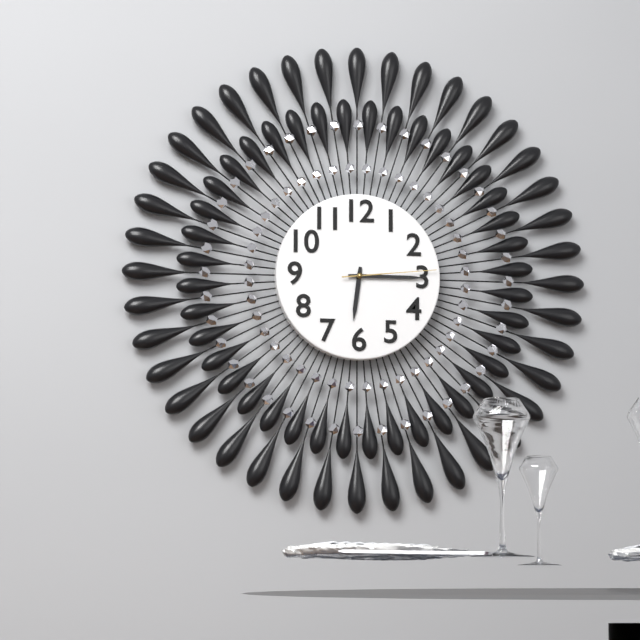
6:15:14
